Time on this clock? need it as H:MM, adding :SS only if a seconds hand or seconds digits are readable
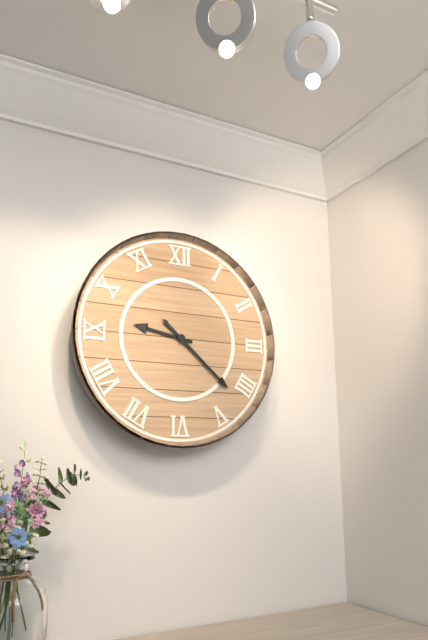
9:22
